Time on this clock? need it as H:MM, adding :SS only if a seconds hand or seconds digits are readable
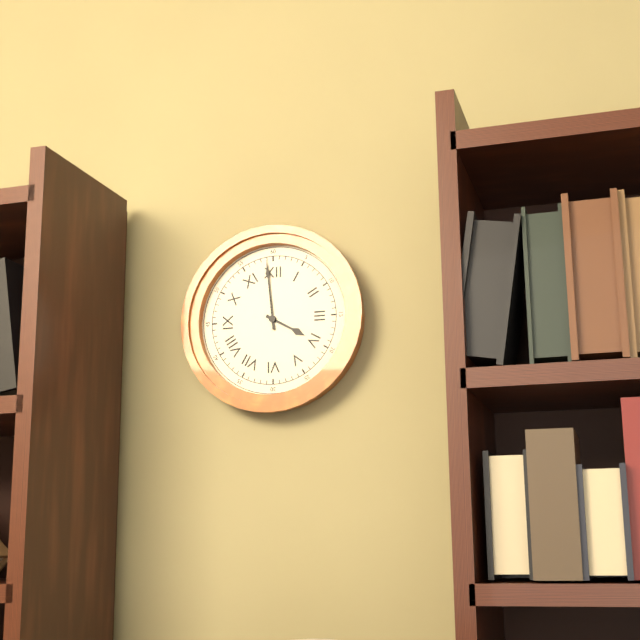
3:59
